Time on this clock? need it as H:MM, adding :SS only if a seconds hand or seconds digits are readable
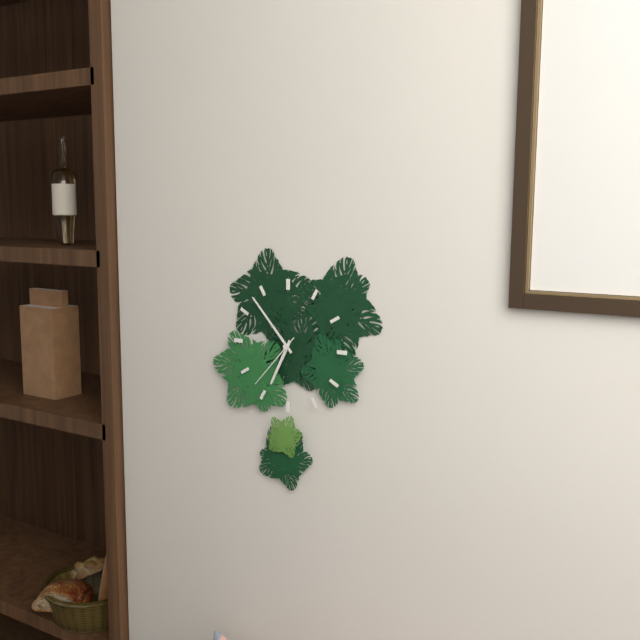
6:53:37
